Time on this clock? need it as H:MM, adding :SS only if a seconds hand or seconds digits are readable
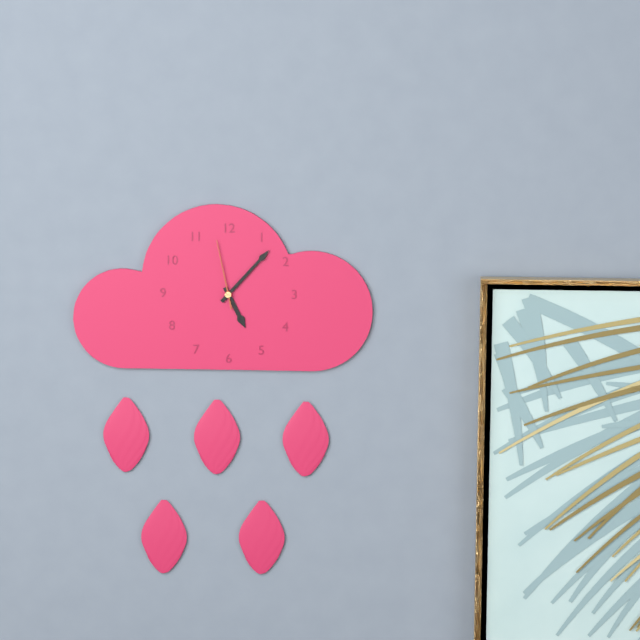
5:07:58
